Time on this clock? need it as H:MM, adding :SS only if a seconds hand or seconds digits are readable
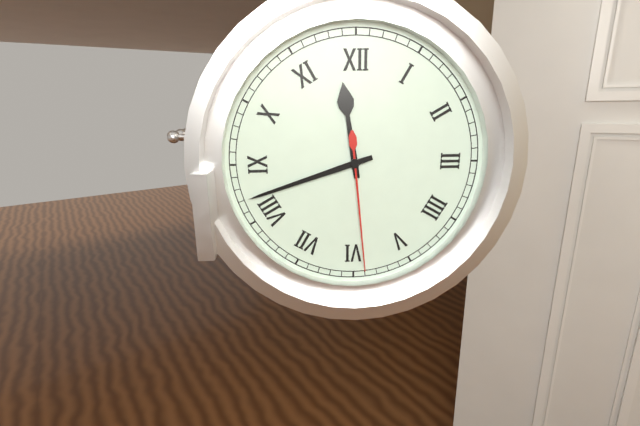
11:42:29
